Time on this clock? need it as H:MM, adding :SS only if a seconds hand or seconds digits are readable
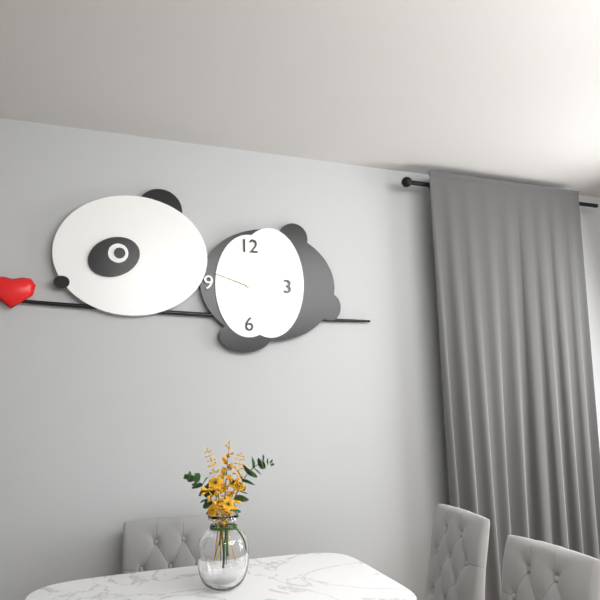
9:48
